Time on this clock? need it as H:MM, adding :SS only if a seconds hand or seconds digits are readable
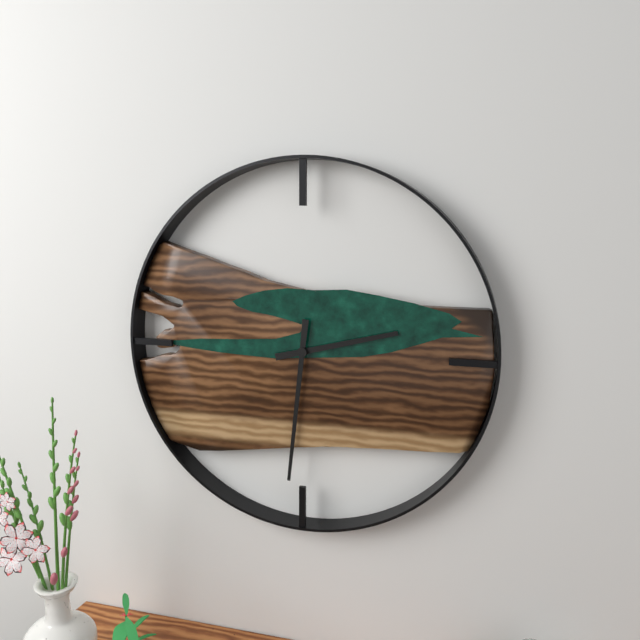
2:31
